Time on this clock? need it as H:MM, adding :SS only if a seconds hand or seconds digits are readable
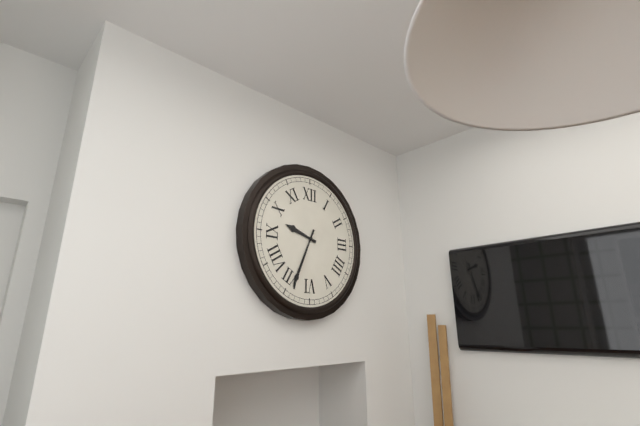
9:34
